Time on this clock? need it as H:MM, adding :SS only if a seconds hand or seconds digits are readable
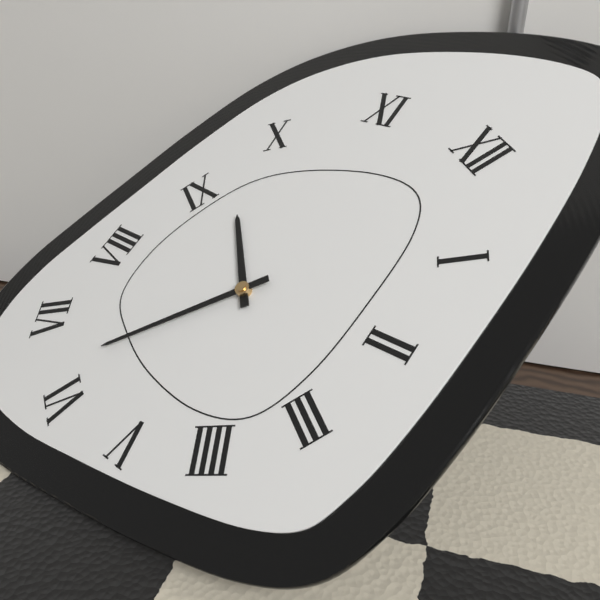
9:32
